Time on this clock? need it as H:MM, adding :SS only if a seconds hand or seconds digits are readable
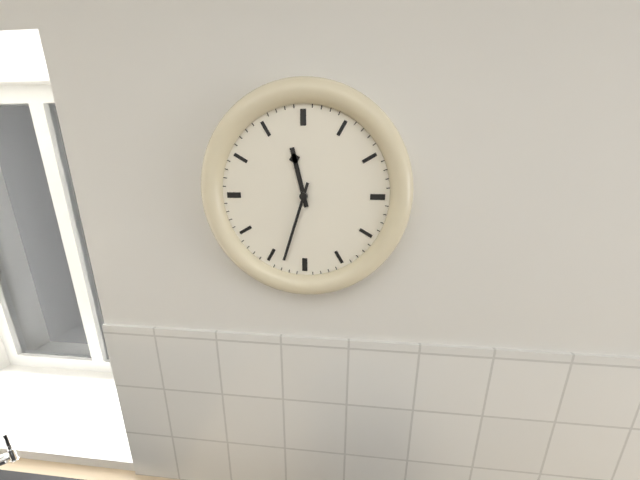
11:33
